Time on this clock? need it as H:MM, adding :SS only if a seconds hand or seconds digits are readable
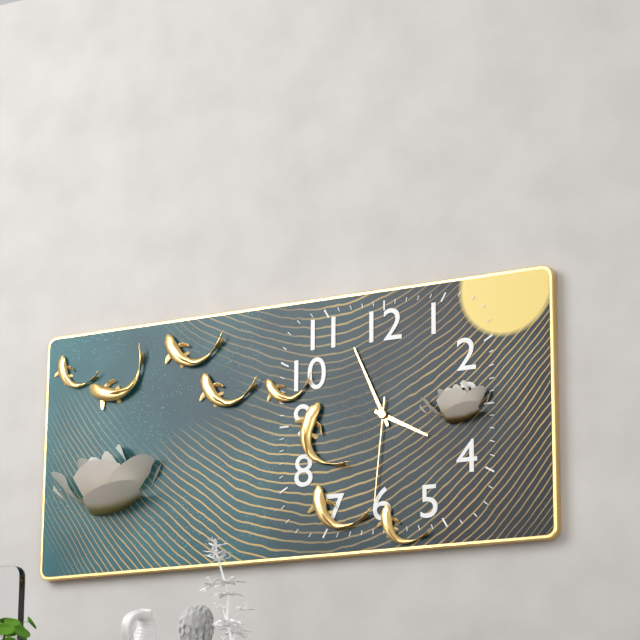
3:56:31
